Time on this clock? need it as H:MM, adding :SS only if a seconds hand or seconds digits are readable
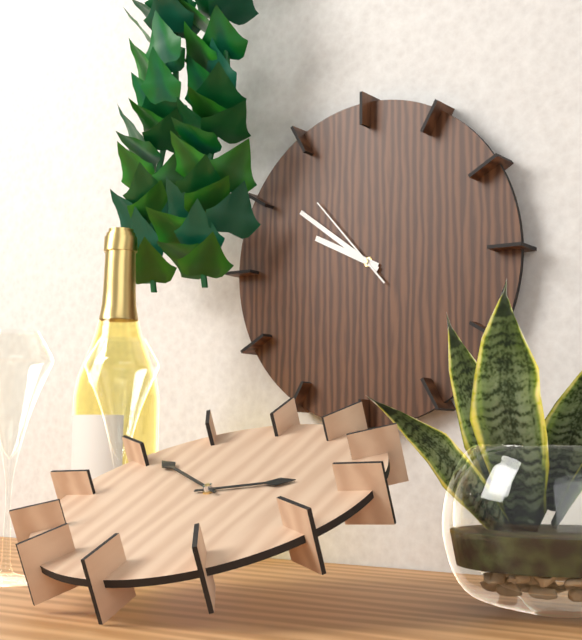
9:51:53
